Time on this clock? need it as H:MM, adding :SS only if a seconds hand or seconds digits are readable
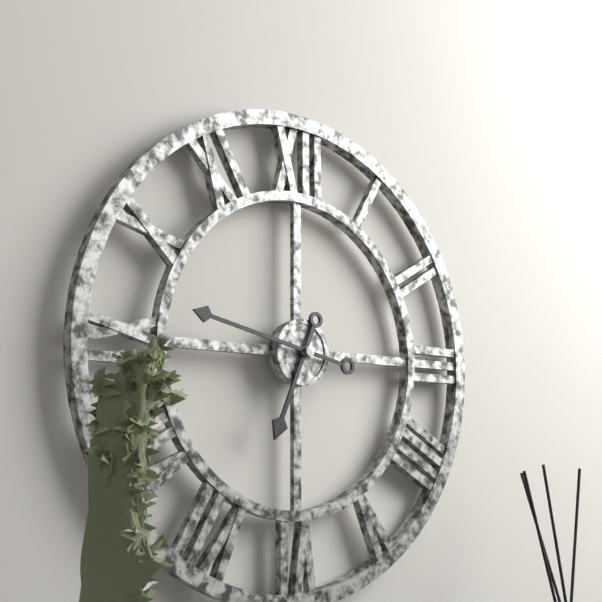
6:47
